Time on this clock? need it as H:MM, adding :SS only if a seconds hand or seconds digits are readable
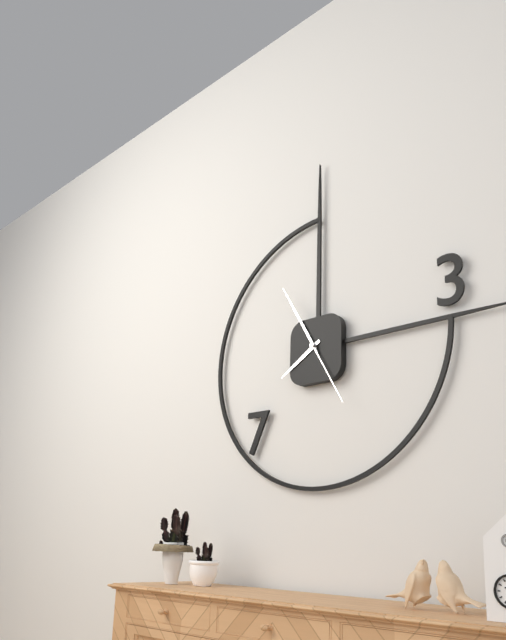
7:55:25
